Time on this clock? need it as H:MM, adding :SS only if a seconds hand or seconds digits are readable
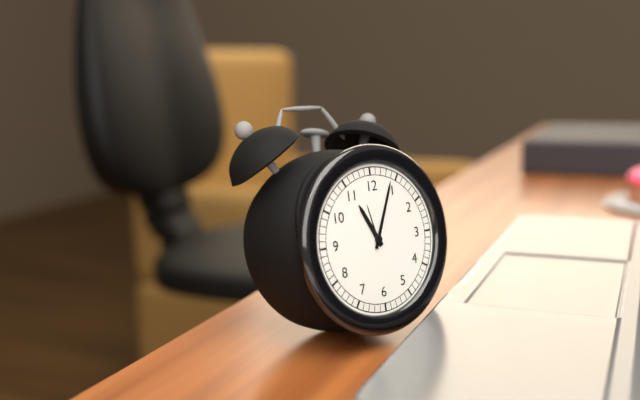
11:04
